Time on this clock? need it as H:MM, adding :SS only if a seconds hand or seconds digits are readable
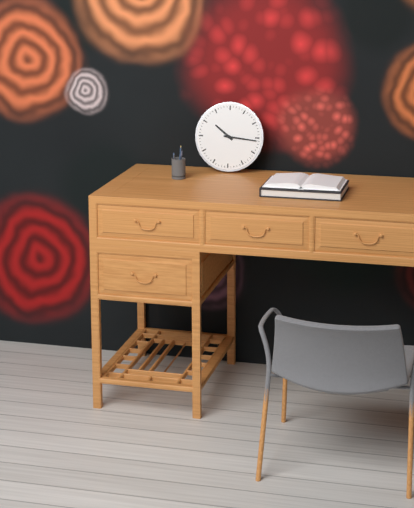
10:16
